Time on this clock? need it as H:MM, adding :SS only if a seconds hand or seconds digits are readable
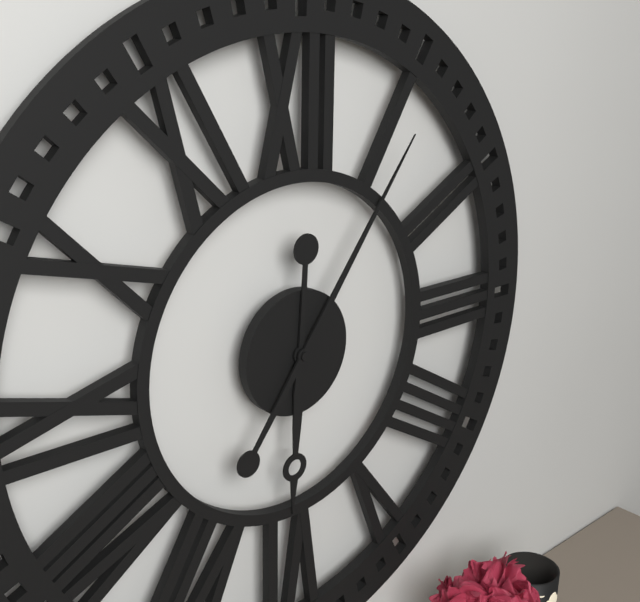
6:06
